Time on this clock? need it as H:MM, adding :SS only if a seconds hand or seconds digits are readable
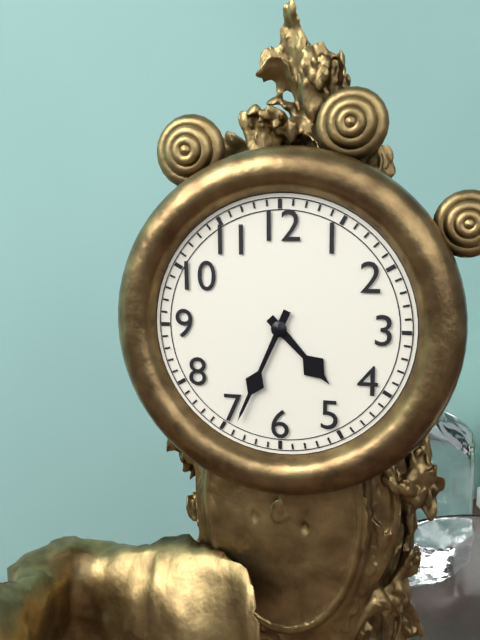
4:34
